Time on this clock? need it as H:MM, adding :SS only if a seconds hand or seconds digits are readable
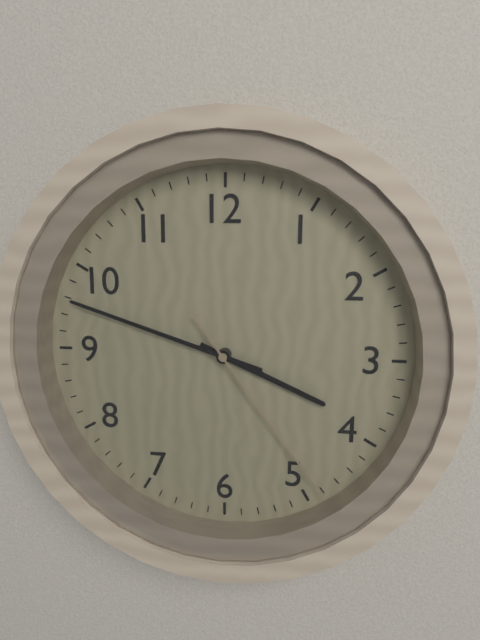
3:48:24
